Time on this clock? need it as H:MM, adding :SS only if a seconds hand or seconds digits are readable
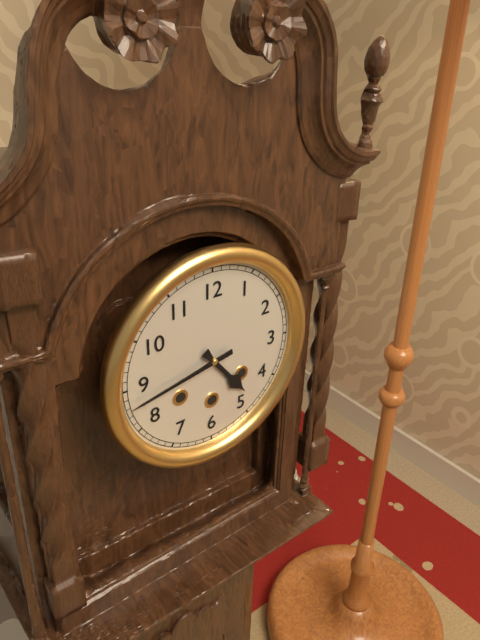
4:43
